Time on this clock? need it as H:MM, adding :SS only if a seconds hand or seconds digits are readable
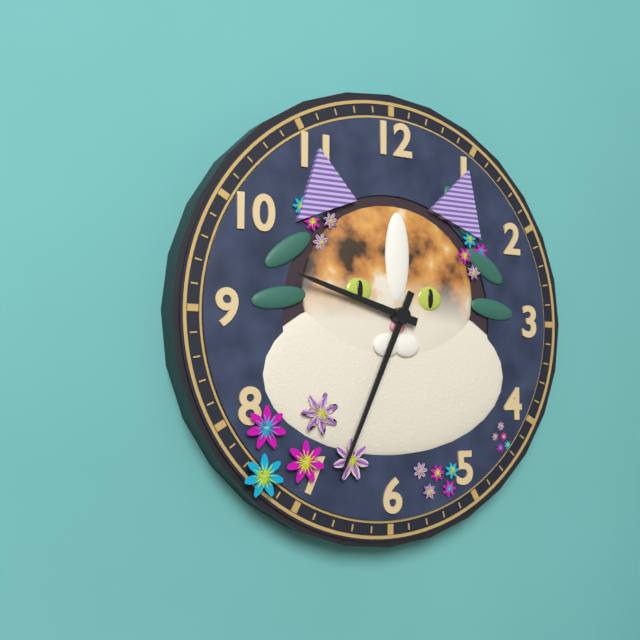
9:34
